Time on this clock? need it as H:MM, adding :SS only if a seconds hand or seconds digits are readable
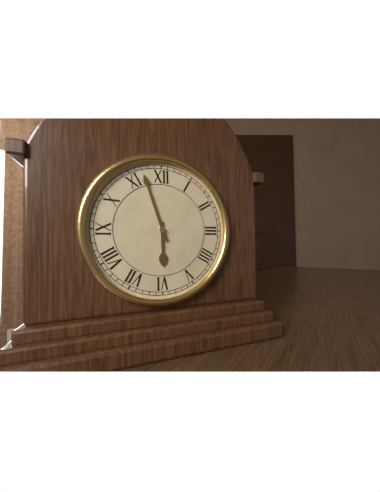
5:57
